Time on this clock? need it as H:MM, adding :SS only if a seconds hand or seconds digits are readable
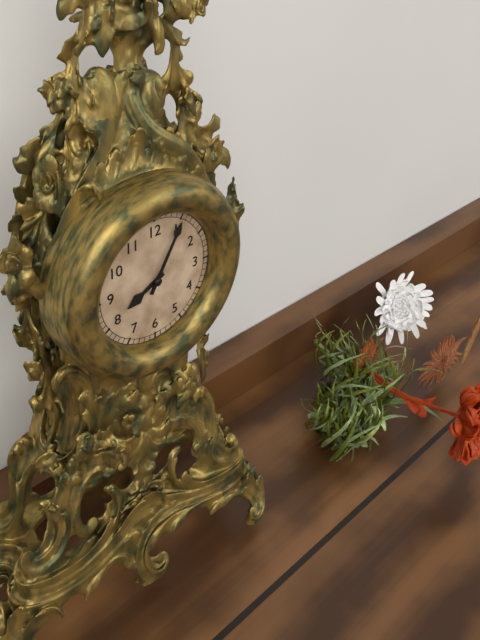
8:05
